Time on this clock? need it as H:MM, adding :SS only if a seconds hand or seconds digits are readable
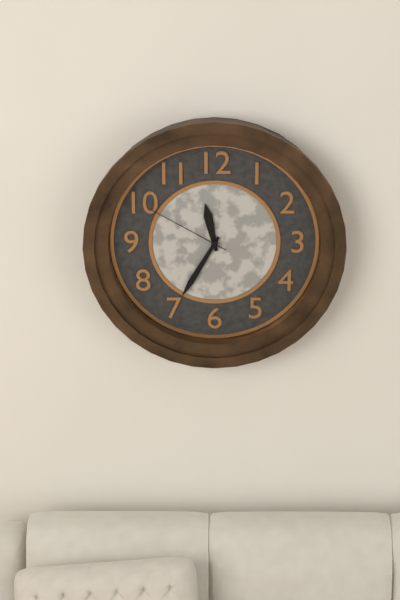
11:35:50
